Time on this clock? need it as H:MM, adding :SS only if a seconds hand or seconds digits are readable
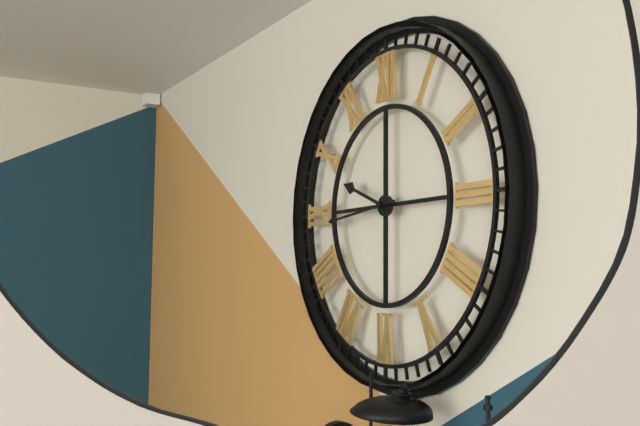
9:44
